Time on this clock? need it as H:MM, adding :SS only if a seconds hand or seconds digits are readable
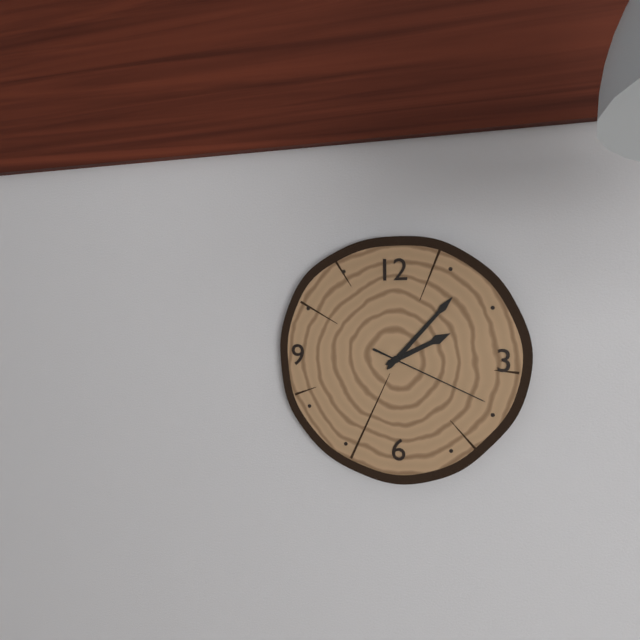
2:07:19
